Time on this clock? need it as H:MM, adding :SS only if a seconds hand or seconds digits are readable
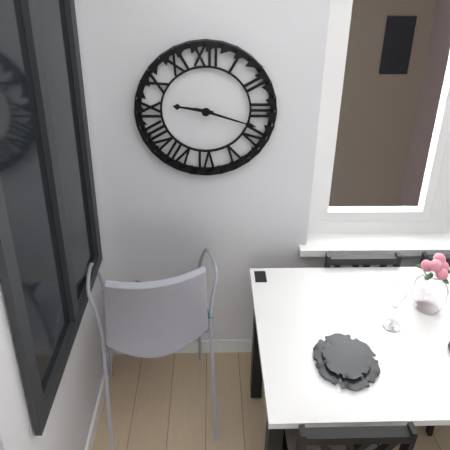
9:18
